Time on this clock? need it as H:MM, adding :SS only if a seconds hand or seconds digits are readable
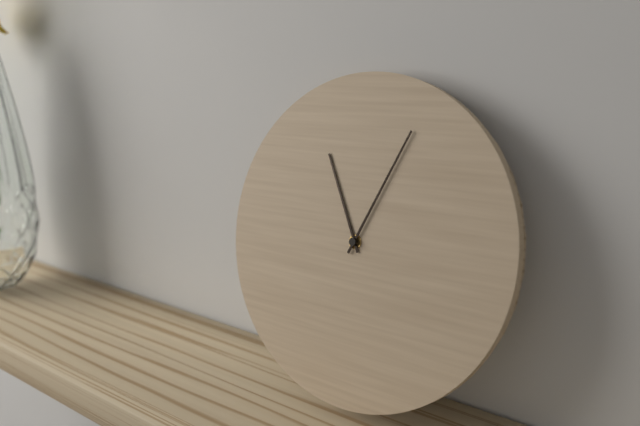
11:04
